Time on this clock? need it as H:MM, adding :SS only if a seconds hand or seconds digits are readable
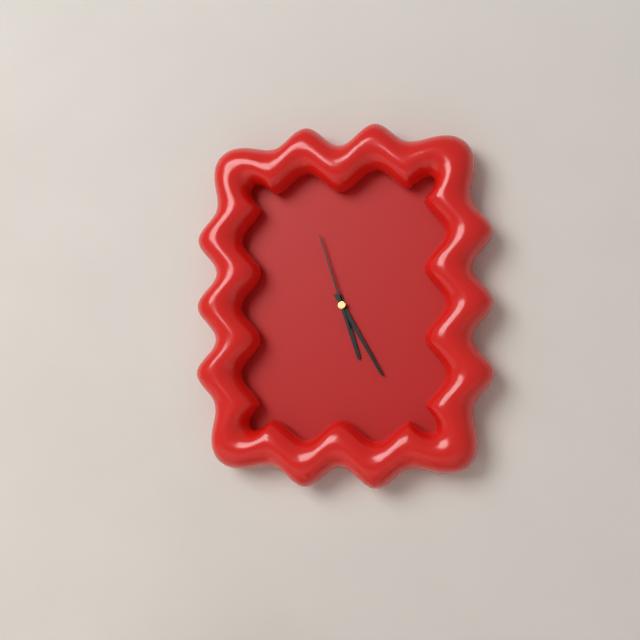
5:25:57
